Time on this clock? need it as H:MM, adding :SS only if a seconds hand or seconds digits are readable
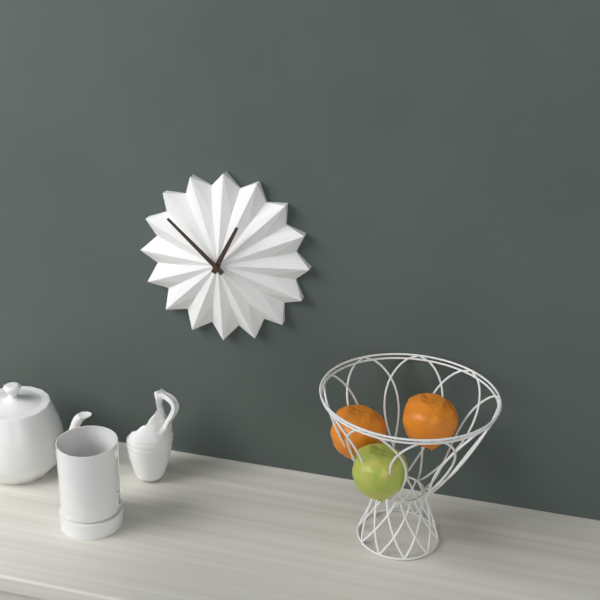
12:52
